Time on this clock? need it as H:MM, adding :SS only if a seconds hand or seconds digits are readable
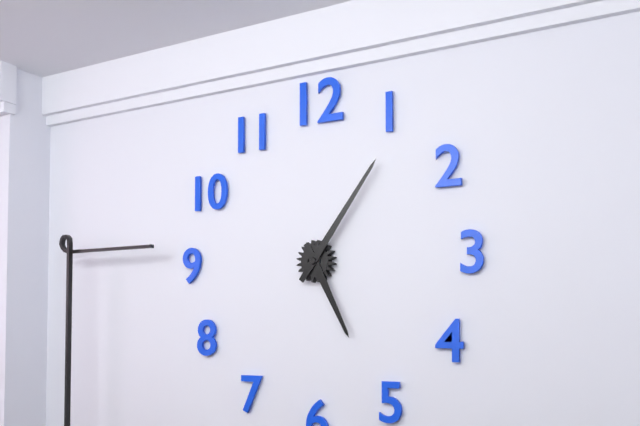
5:06
